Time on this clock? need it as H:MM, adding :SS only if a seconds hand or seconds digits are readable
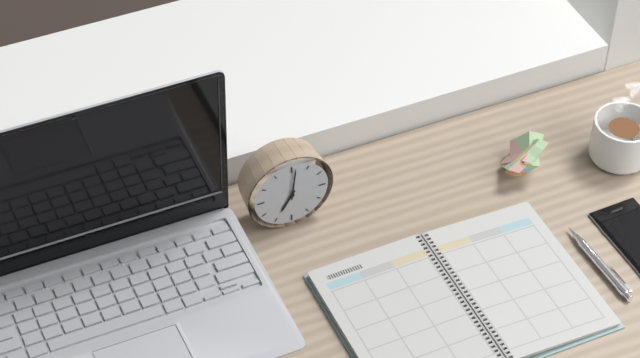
7:01
